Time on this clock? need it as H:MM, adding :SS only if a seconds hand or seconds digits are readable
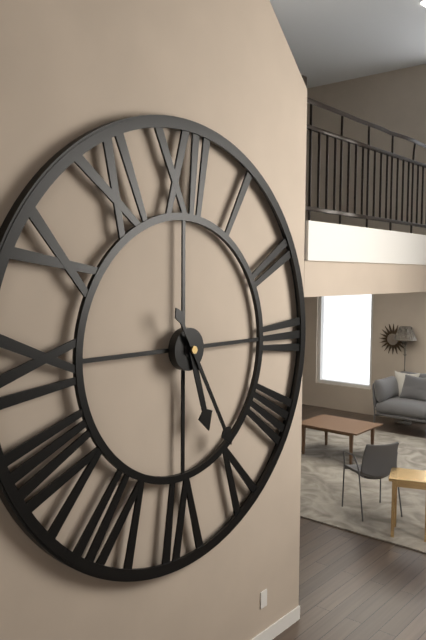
5:25
